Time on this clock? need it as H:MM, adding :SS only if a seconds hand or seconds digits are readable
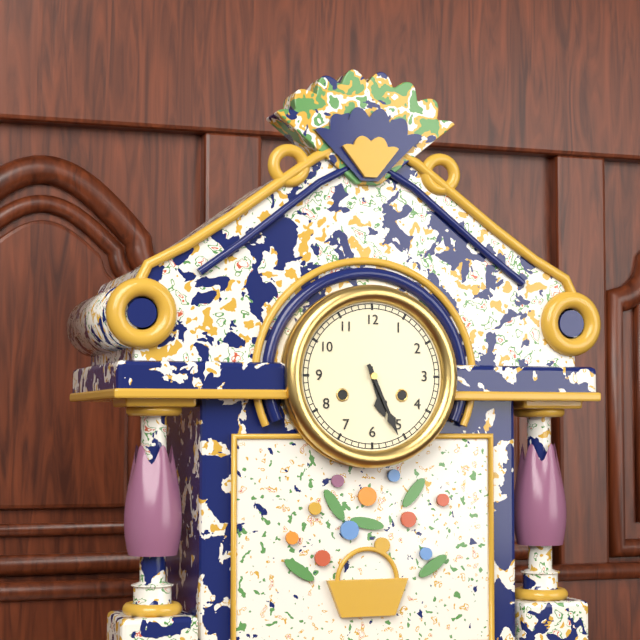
5:26
